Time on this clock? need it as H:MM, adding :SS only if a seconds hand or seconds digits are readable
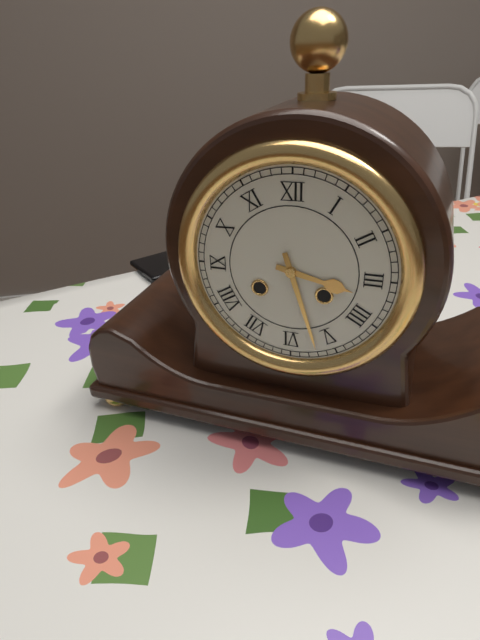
3:27
